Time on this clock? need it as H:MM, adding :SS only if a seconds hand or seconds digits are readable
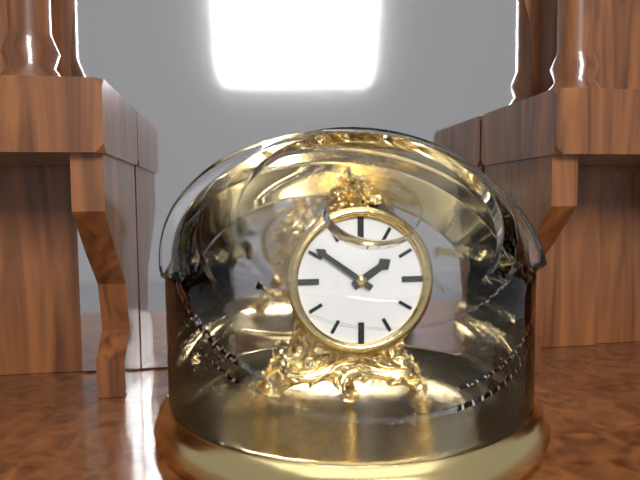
1:51
